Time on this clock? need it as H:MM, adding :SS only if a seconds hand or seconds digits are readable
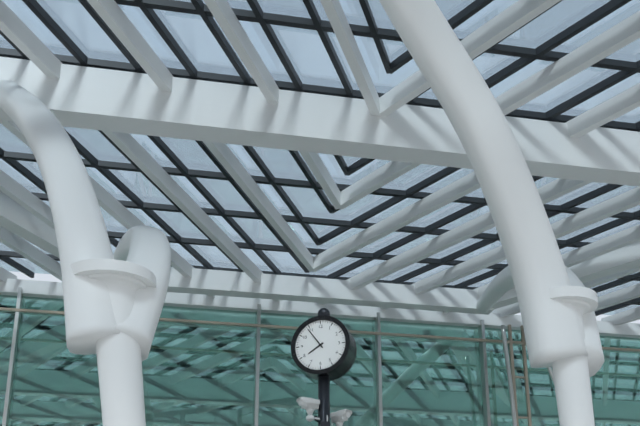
7:54
